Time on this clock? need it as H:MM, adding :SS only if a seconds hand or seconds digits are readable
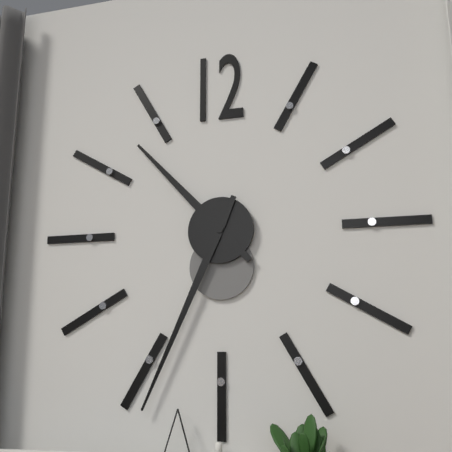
10:34
